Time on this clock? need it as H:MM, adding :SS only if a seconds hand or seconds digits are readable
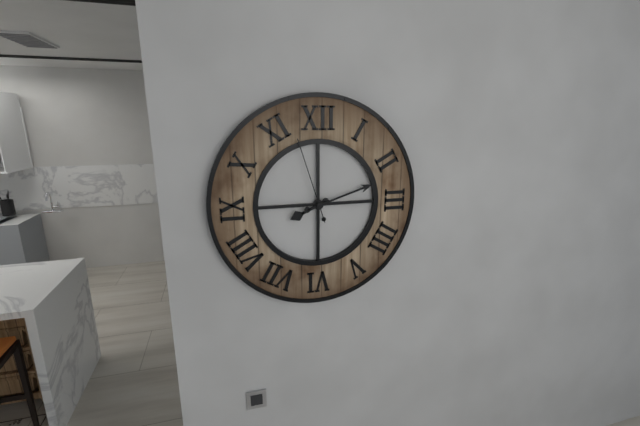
8:12:57
